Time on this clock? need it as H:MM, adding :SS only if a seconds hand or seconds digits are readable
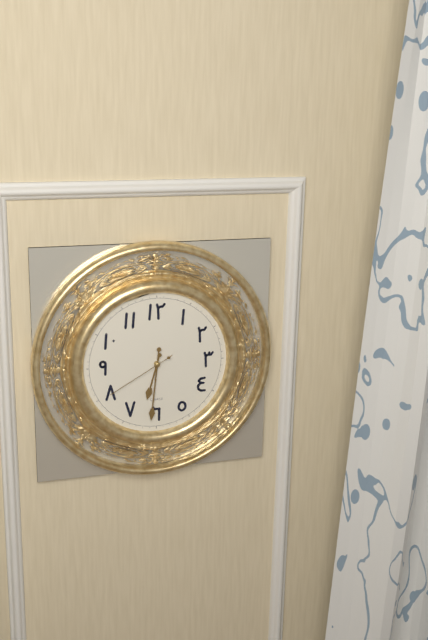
6:31:40
